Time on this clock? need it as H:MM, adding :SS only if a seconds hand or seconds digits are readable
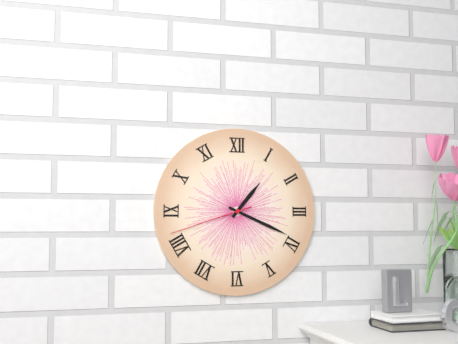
1:19:42
